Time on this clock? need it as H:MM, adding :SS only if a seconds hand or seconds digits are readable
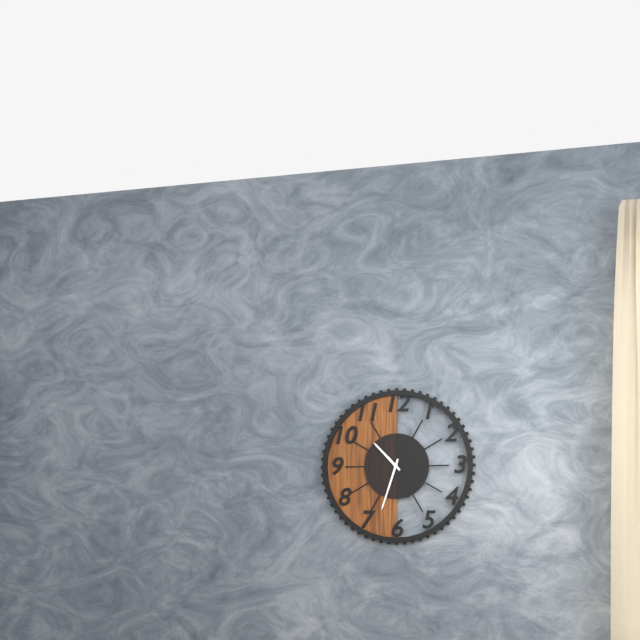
10:33
